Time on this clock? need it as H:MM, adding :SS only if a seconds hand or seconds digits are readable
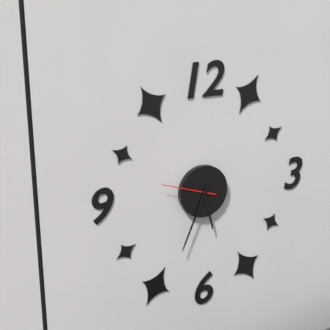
5:34:48
